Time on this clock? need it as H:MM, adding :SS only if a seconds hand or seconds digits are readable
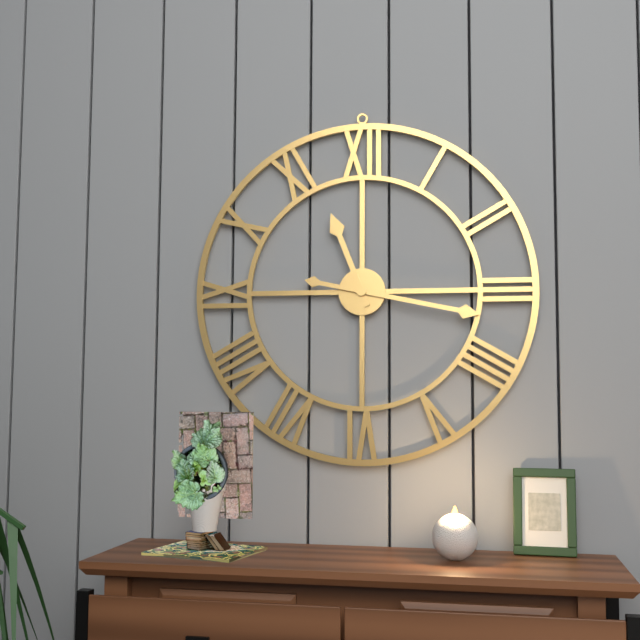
11:17
